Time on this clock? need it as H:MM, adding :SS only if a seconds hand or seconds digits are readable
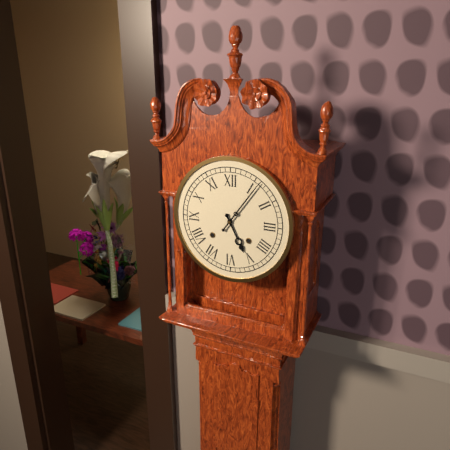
5:06
